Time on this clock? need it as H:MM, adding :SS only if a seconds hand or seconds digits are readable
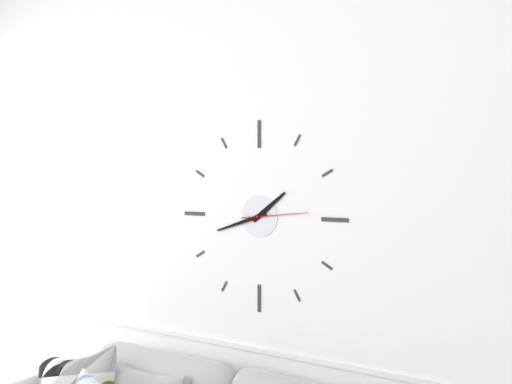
1:42:14
